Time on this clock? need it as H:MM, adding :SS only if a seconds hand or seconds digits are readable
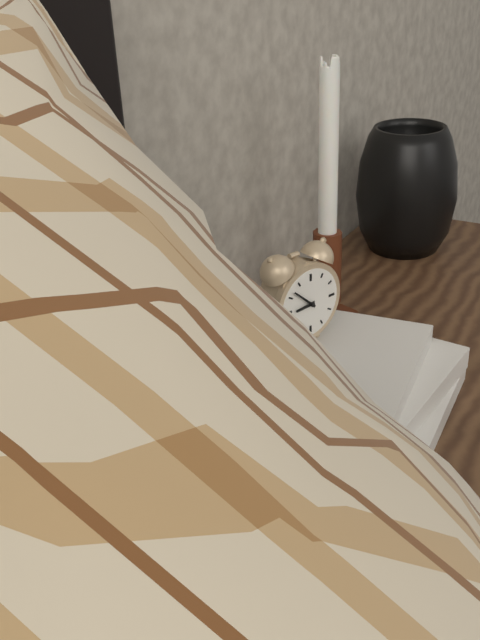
8:52
